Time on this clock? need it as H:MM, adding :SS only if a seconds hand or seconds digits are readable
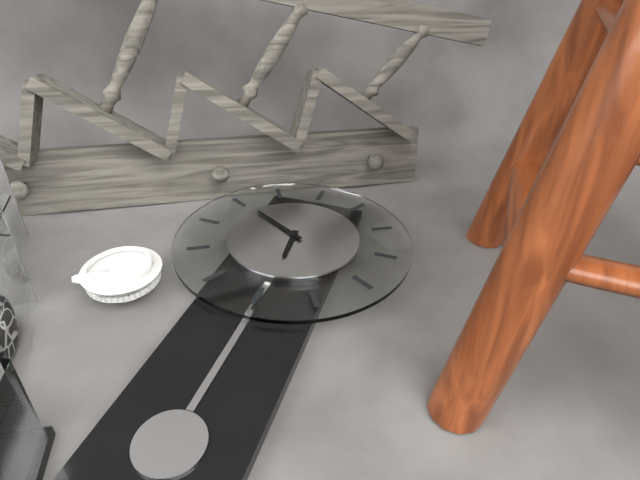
5:50
